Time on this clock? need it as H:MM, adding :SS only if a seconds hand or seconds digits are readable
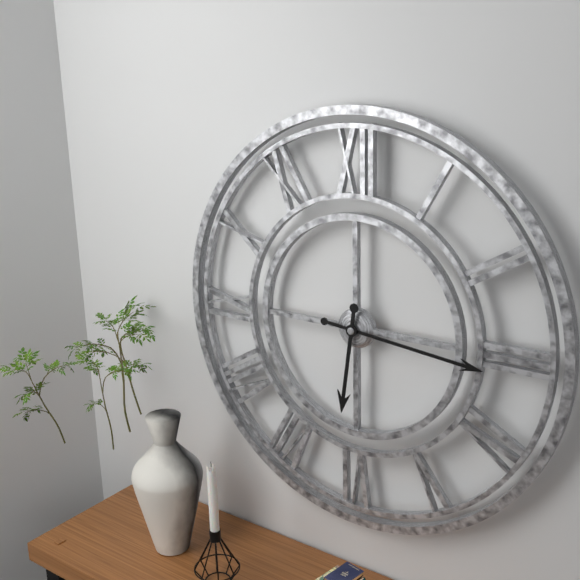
6:16
